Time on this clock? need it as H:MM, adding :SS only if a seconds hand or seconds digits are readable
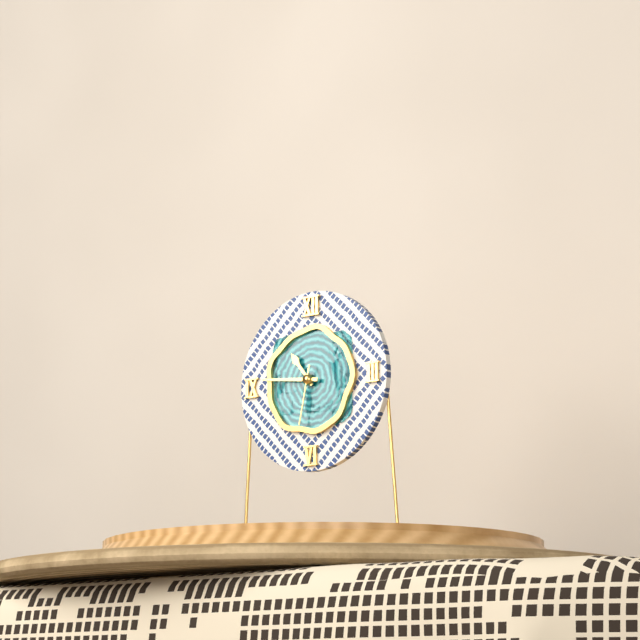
10:46:32
